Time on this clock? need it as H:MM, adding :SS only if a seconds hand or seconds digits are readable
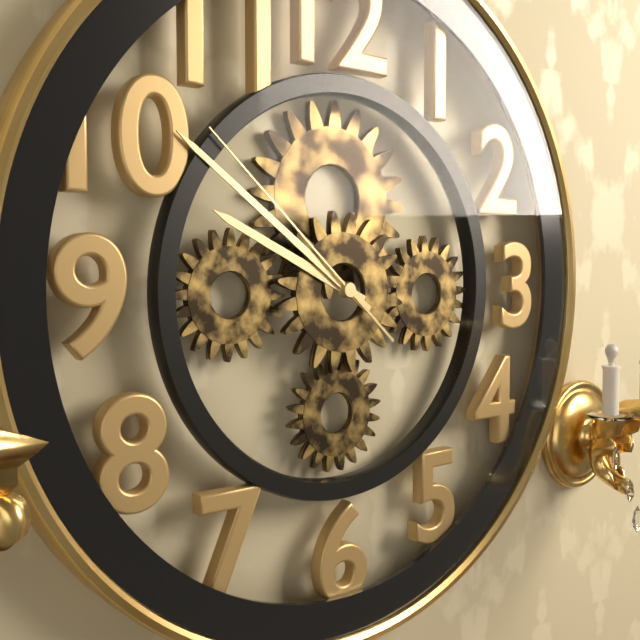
9:51:52
